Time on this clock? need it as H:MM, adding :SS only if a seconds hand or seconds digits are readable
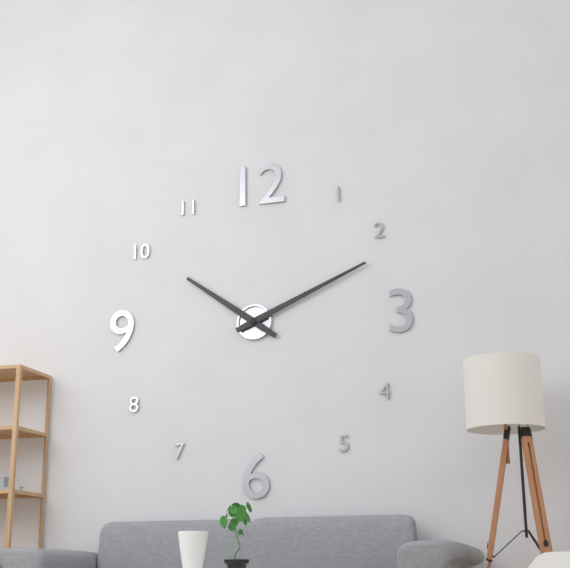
10:11
